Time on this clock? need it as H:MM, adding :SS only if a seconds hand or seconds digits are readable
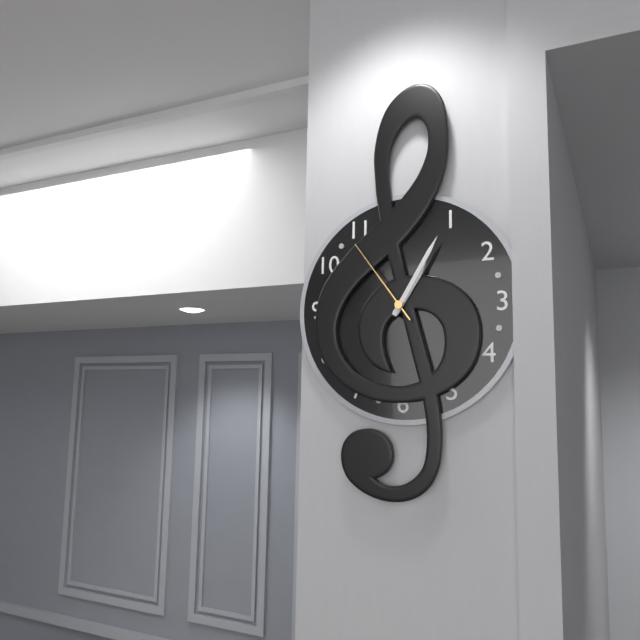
1:05:54
